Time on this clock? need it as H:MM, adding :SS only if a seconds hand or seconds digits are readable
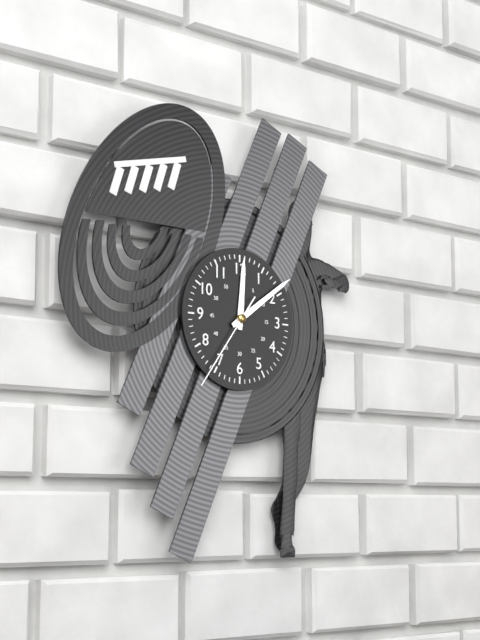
12:09:36
